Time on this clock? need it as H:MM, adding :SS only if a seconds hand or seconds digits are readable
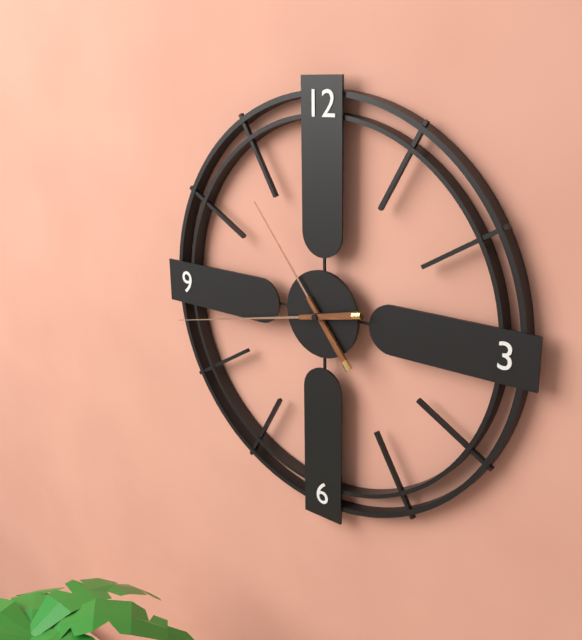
10:43
